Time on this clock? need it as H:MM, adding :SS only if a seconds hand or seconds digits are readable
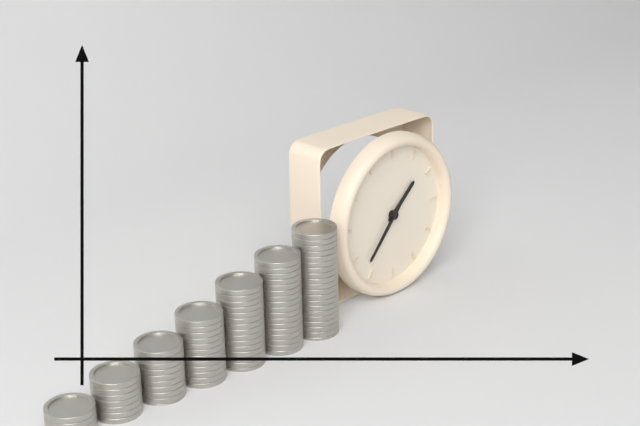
1:37
